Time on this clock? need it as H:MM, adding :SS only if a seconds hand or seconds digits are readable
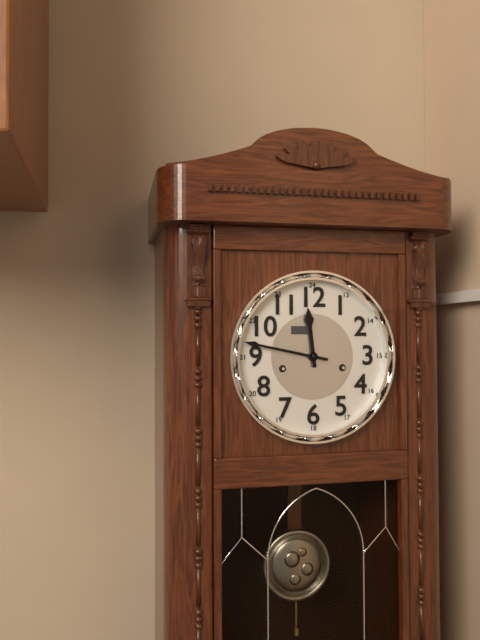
11:47
